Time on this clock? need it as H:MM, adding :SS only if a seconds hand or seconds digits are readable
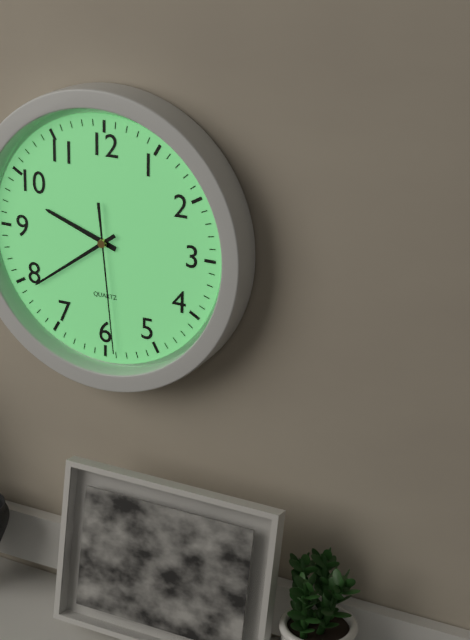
9:39:29
